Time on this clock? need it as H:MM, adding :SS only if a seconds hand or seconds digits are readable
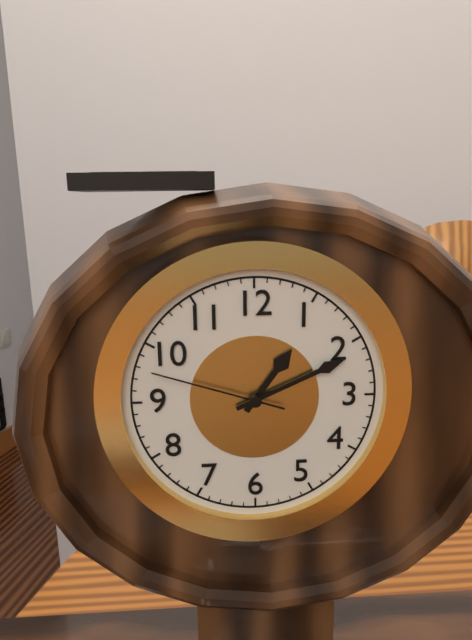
1:11:48
